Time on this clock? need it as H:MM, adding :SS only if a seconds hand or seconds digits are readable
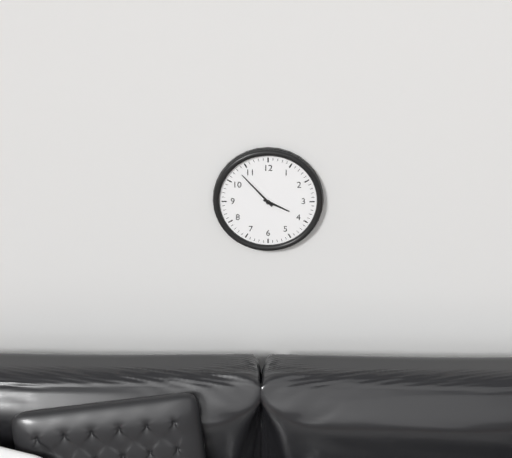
3:53
